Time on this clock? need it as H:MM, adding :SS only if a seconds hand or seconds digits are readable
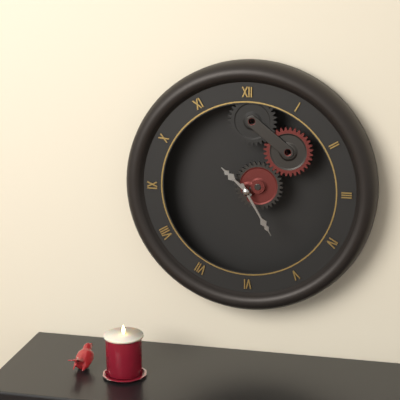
10:25
